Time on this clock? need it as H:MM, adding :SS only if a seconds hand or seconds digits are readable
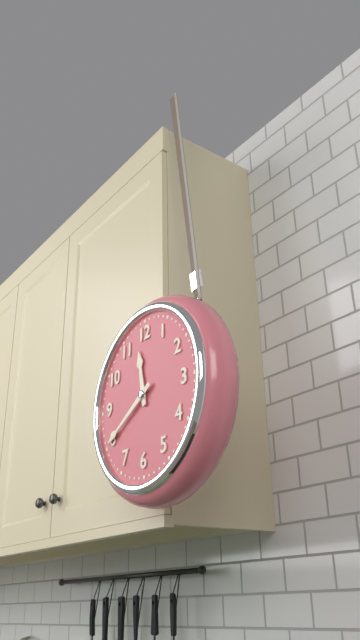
11:40
